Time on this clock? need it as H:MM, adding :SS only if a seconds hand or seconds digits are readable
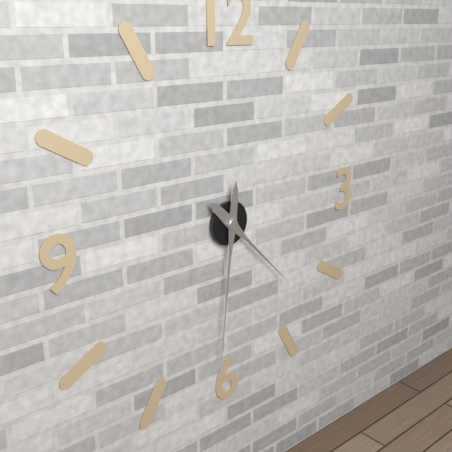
4:31
